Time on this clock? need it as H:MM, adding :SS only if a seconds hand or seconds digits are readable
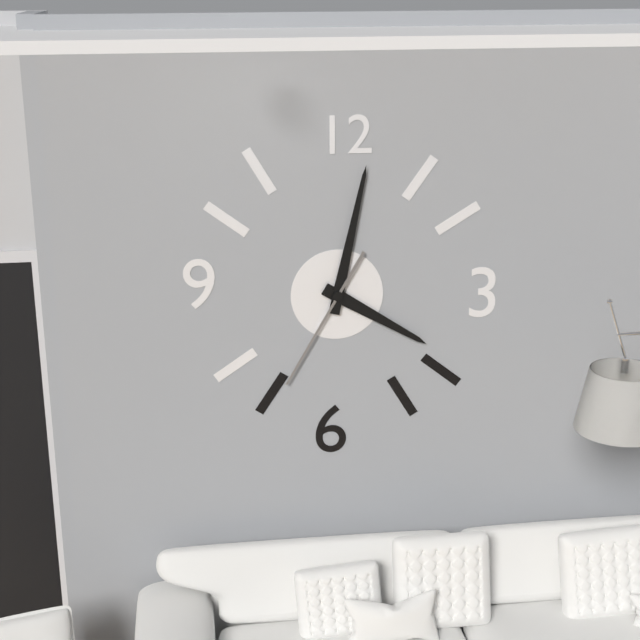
4:02:35
